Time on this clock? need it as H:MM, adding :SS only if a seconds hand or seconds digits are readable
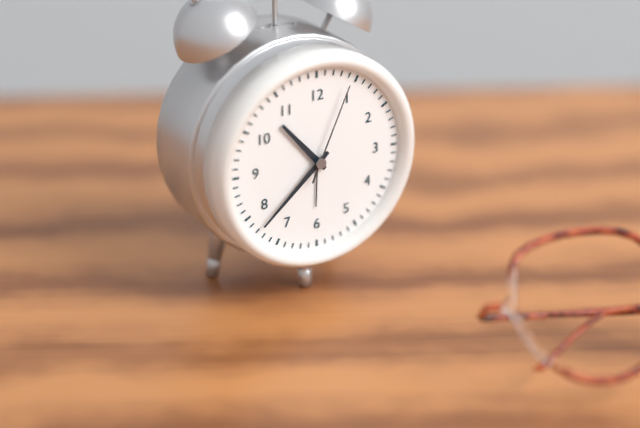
10:38:04
